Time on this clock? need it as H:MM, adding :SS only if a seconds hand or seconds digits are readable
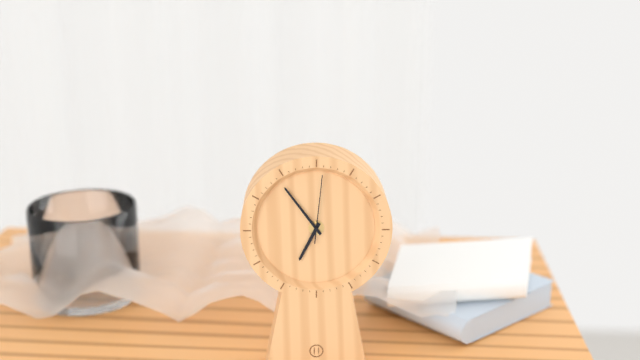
6:54:01
